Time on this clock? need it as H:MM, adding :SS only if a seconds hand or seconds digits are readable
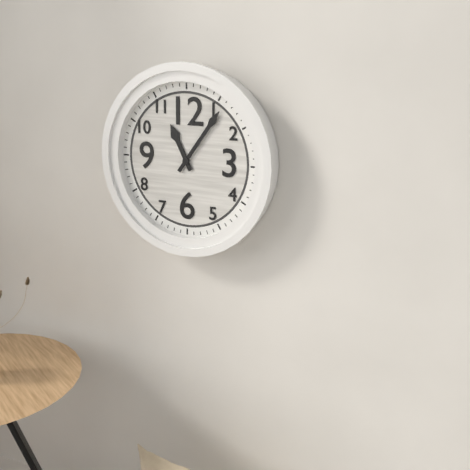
11:06
